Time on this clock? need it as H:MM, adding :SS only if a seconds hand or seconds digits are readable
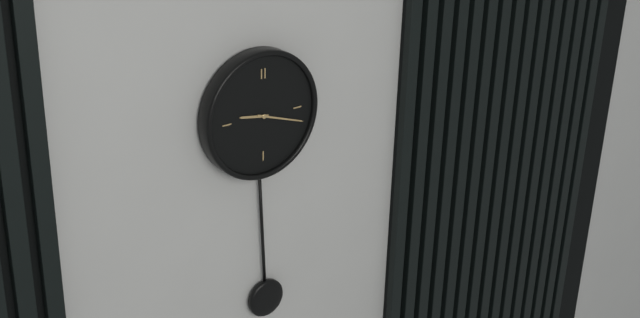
9:18
